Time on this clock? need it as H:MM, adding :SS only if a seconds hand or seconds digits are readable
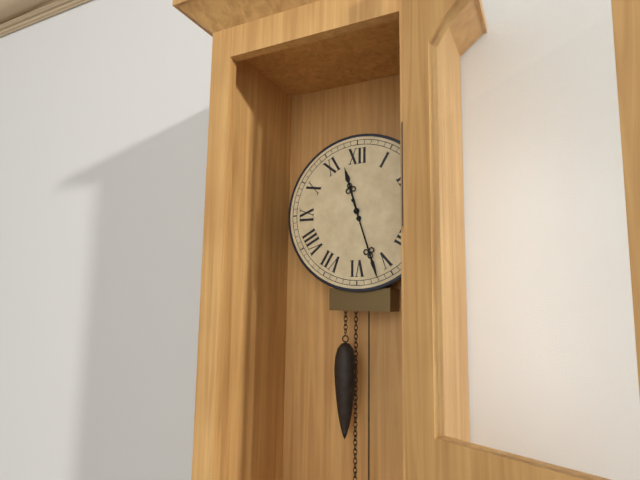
11:27
